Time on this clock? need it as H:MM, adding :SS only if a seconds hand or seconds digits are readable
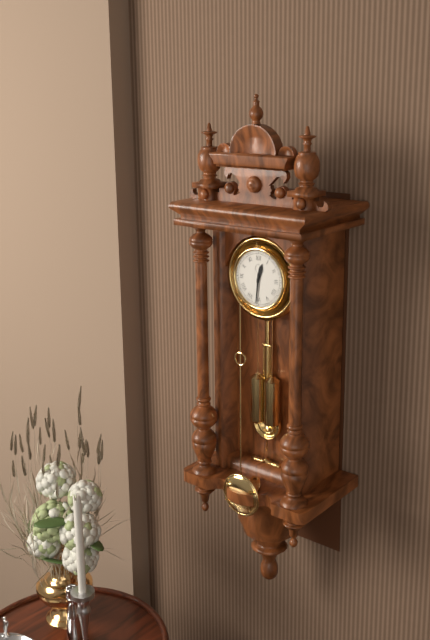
12:31
